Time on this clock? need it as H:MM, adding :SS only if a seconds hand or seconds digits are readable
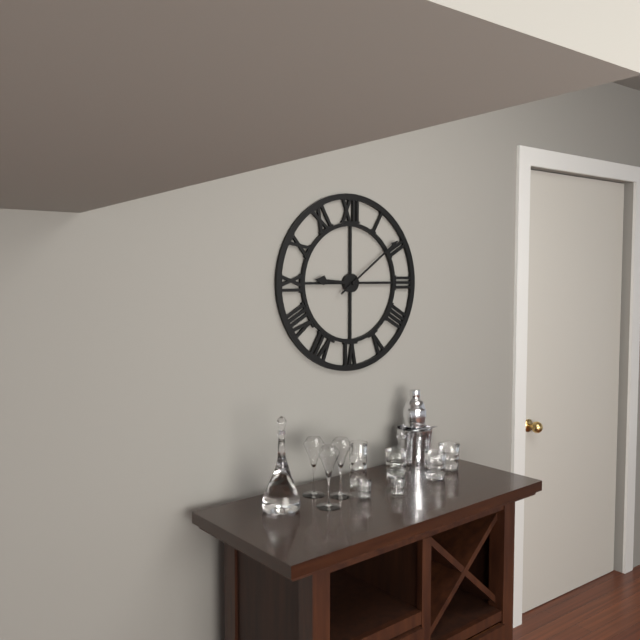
9:09
